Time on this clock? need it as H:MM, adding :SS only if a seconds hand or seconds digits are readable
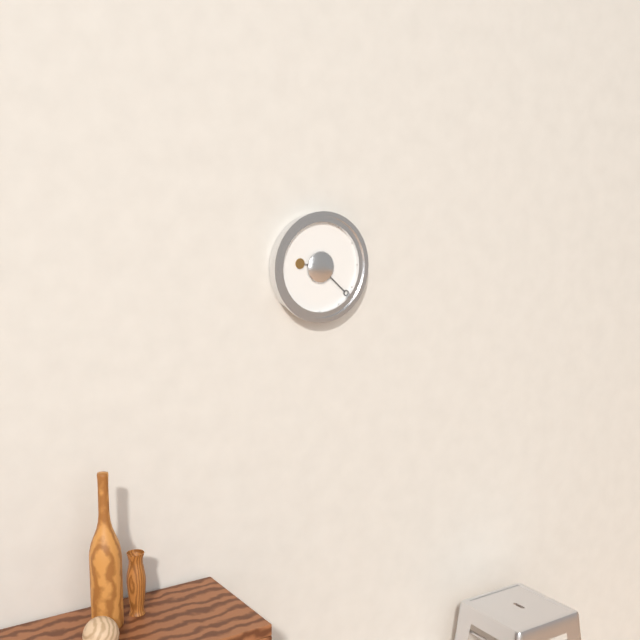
9:22
